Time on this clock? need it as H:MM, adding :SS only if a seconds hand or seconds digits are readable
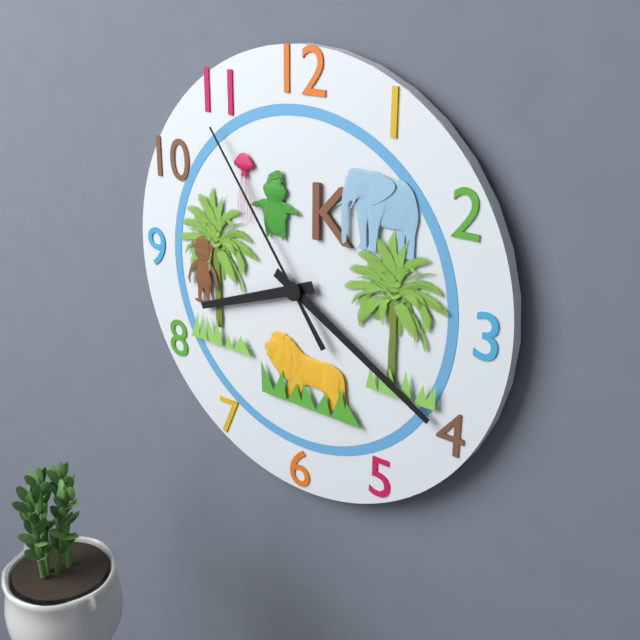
8:20:54
